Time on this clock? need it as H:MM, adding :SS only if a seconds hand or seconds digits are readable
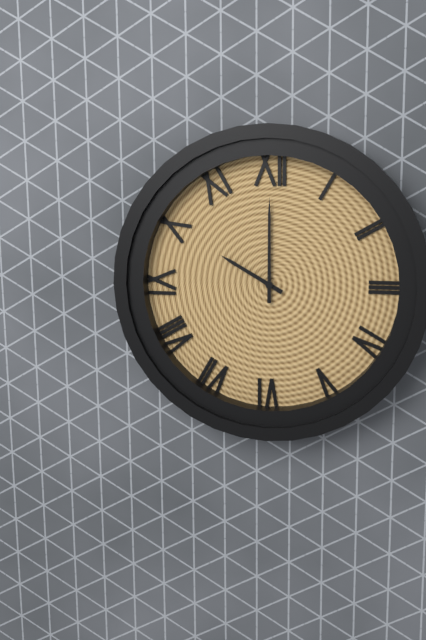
10:00
